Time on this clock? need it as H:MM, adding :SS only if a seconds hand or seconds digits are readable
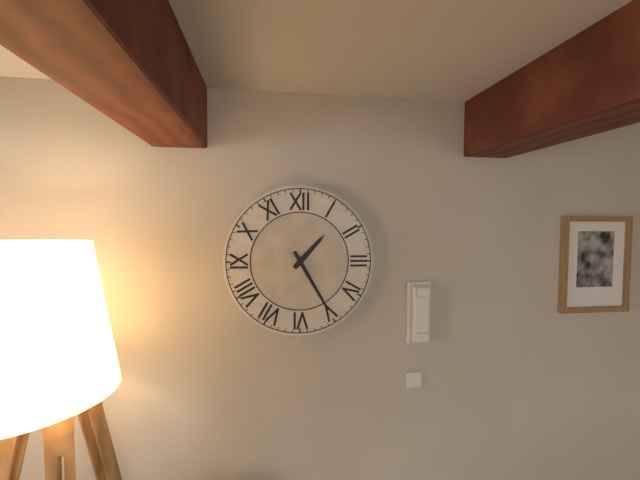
1:25
